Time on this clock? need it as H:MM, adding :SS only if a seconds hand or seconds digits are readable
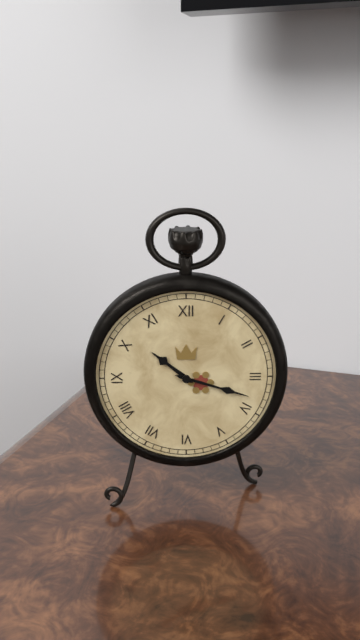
10:18
